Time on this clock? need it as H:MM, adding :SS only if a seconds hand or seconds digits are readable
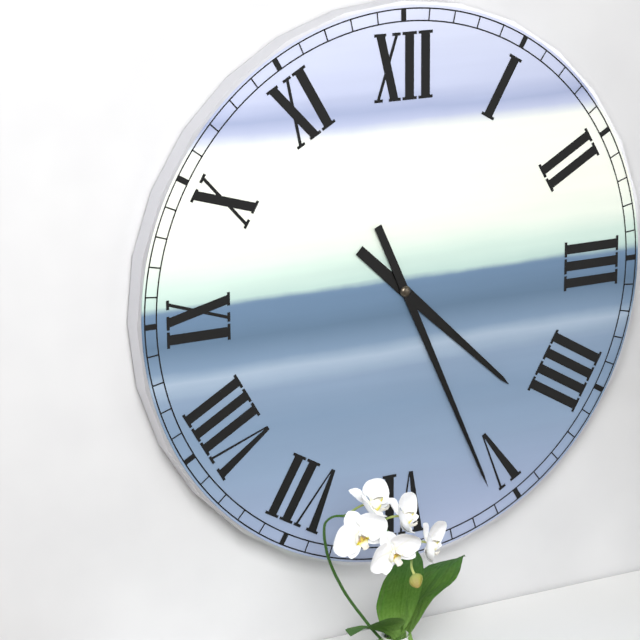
4:26
